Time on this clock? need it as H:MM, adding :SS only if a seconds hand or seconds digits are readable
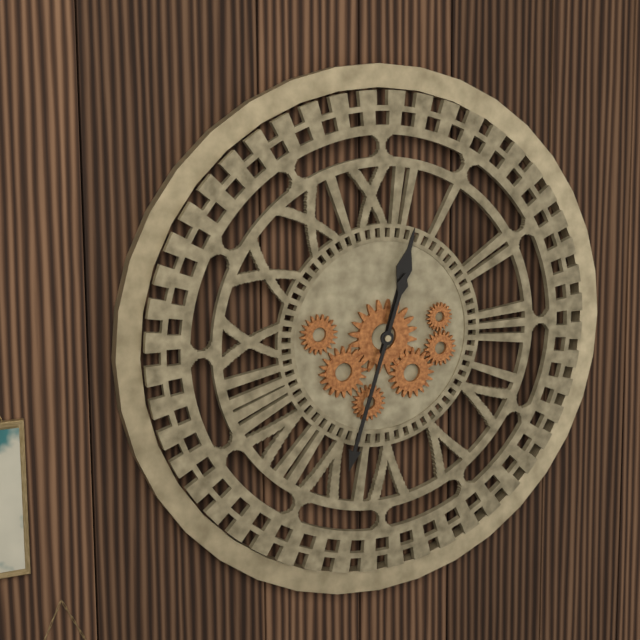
12:33
